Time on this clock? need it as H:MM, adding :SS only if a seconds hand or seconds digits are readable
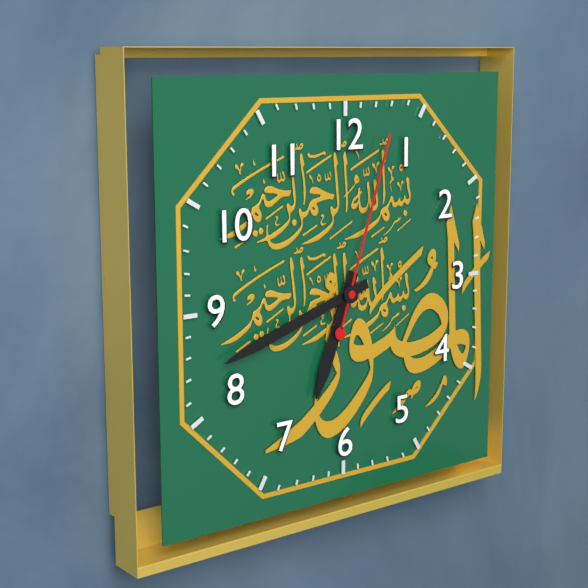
6:42:03
